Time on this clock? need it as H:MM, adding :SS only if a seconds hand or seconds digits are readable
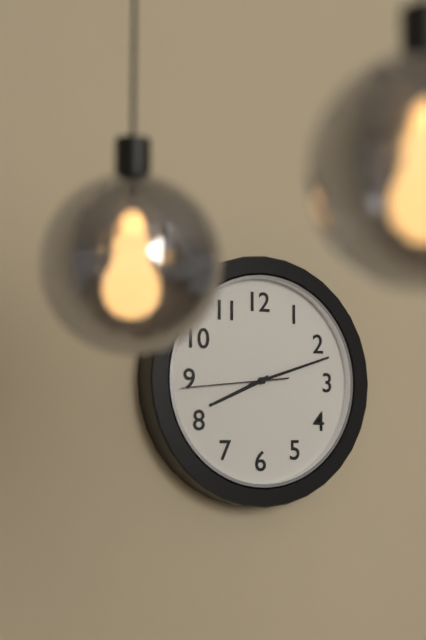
8:12:44
